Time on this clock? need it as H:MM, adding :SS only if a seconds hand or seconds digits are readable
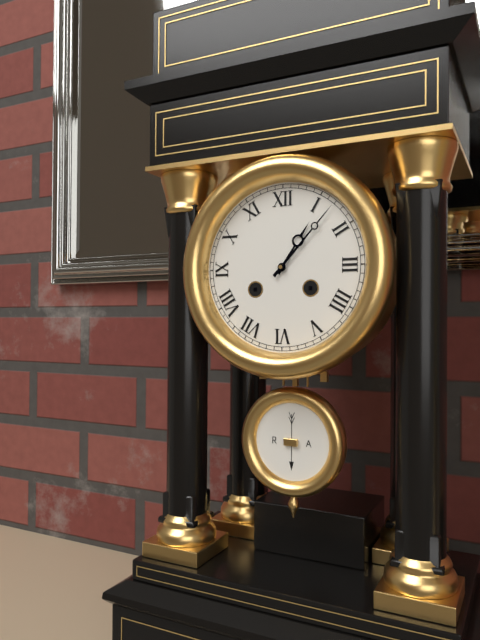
1:07
